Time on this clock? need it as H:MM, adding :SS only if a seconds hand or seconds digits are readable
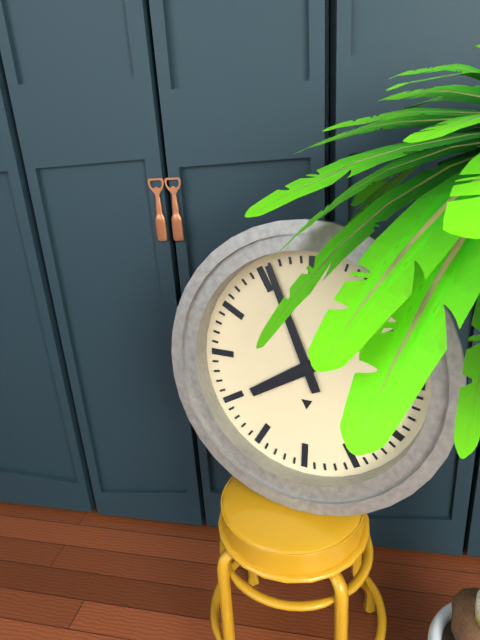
7:56
